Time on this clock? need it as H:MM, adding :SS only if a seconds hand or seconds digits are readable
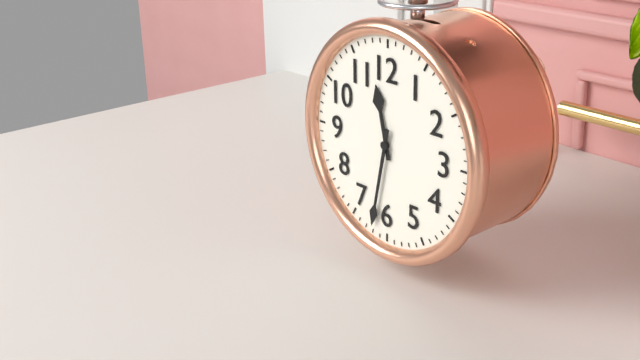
11:32
